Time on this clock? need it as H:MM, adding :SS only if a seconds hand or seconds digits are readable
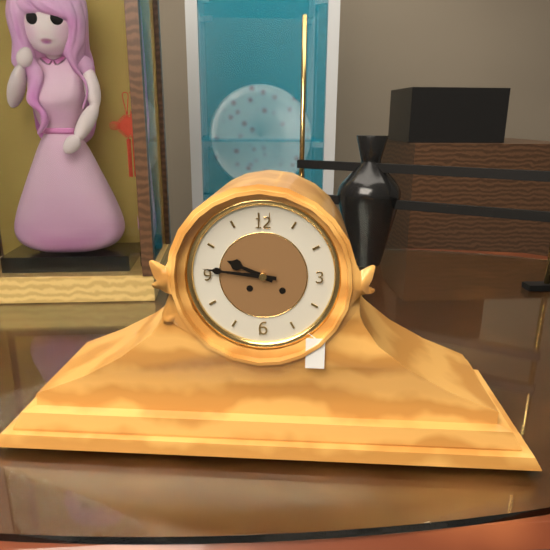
9:46
